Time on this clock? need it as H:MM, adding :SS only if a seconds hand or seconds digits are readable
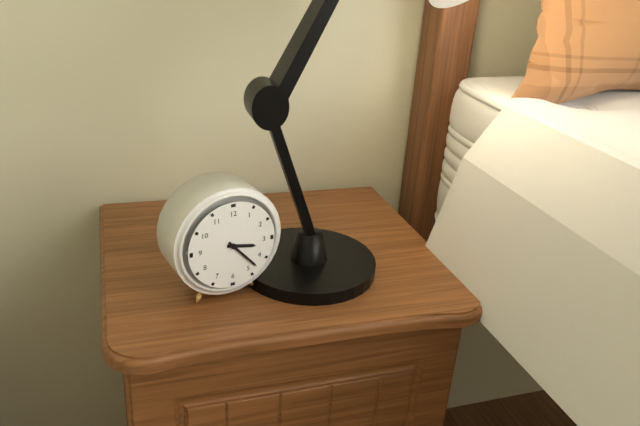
3:23
